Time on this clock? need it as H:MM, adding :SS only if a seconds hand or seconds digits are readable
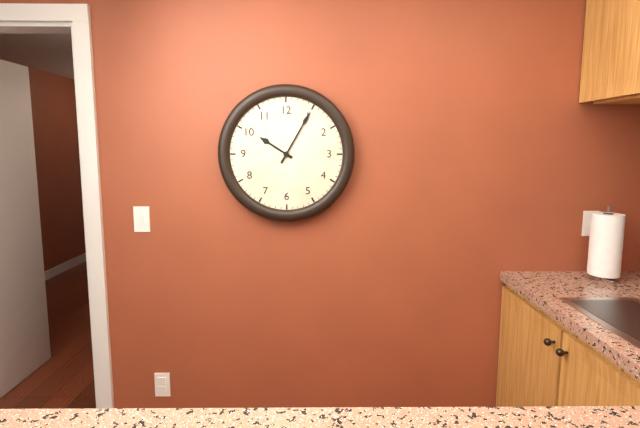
10:05
